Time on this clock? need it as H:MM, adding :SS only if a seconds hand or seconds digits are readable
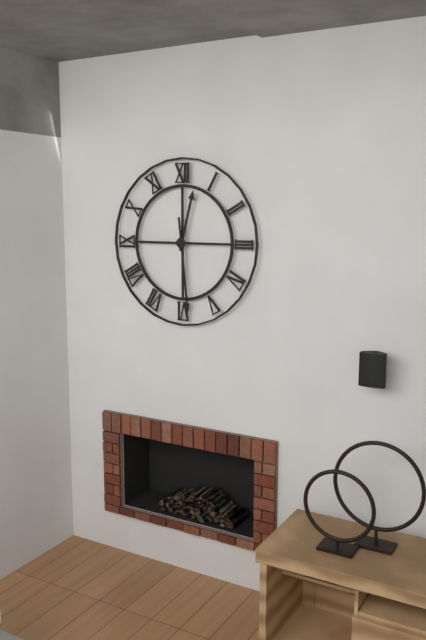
12:29
